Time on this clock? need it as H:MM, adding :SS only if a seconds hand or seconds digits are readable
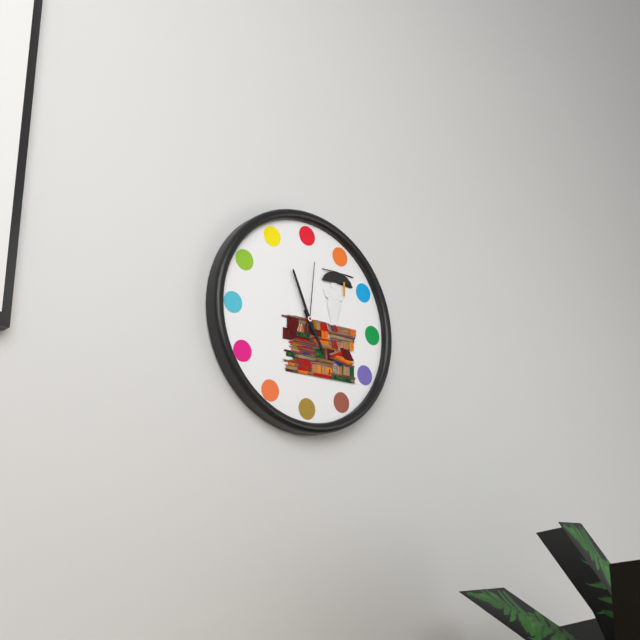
4:56:01
